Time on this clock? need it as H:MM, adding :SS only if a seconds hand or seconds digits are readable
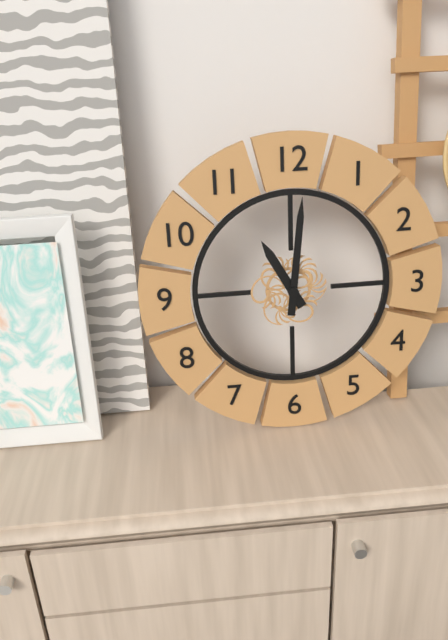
11:01
